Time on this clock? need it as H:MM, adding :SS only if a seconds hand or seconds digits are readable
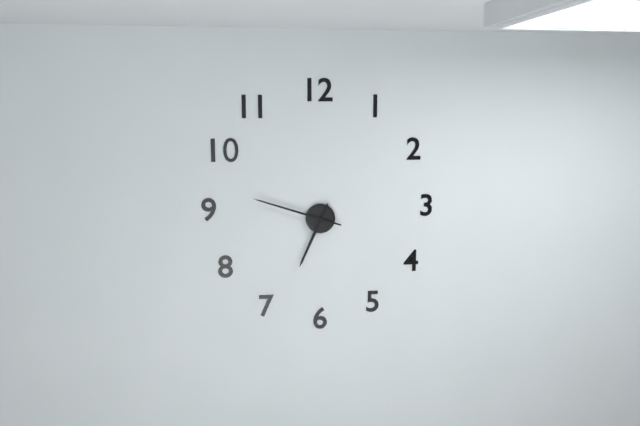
6:48
